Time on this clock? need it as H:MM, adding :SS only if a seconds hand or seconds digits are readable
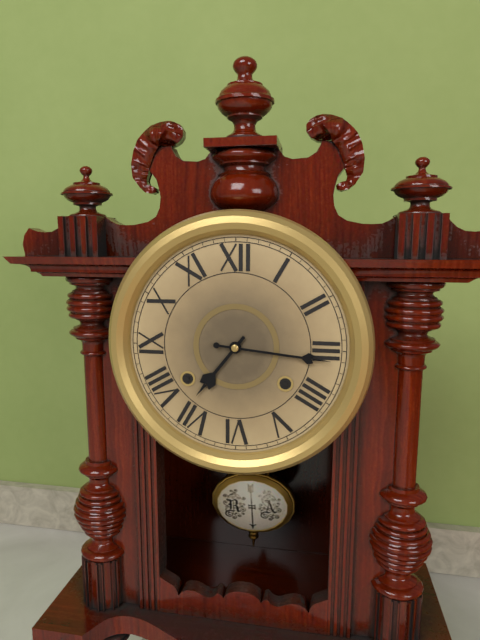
7:16
